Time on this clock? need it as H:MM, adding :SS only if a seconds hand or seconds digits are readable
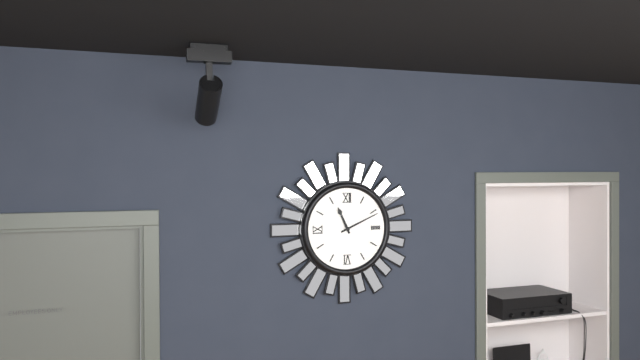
11:11
